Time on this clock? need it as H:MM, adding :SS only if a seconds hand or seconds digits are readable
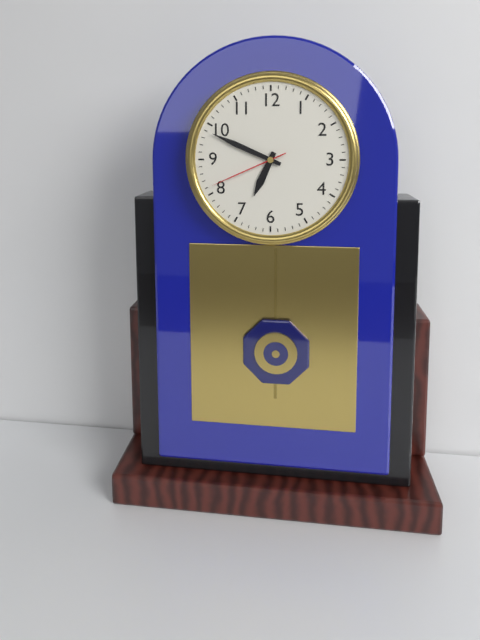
6:49:41
